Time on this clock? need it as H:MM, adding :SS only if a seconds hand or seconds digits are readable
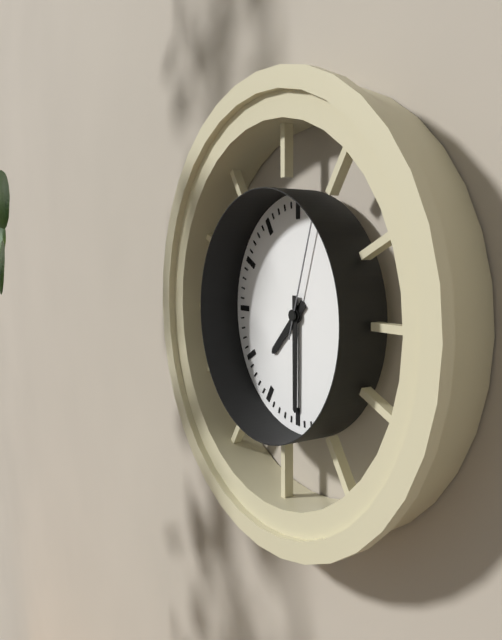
7:30:03
